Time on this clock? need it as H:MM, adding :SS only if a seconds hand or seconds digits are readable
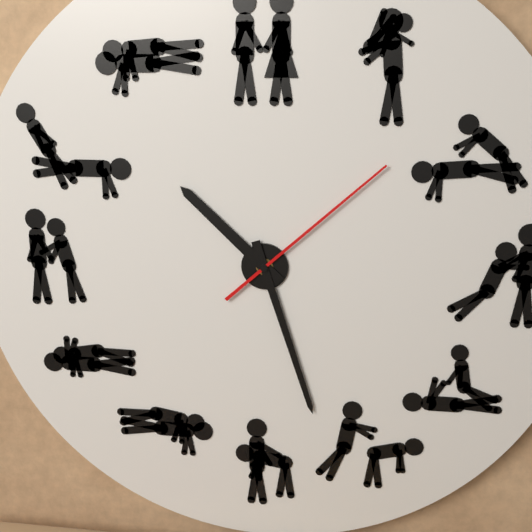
10:27:08
